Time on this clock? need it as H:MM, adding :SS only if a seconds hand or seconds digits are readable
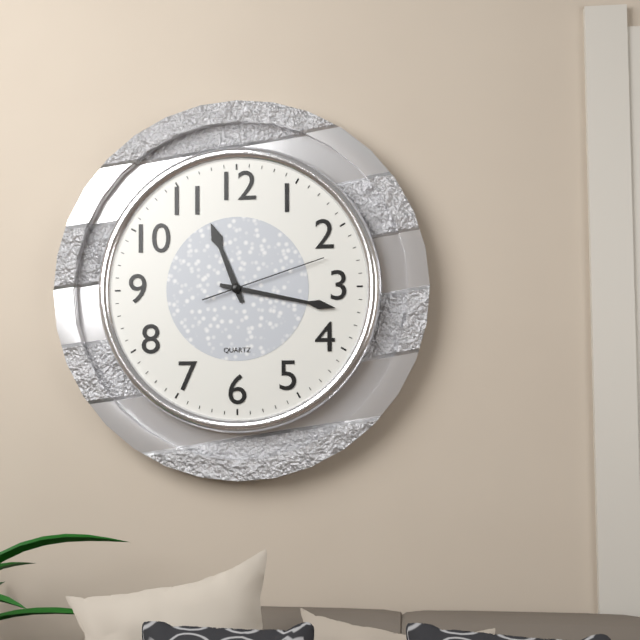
11:17:12
